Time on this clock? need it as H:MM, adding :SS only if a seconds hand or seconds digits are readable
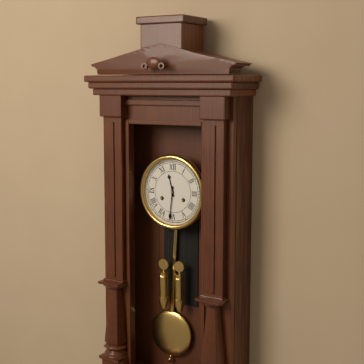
11:31
